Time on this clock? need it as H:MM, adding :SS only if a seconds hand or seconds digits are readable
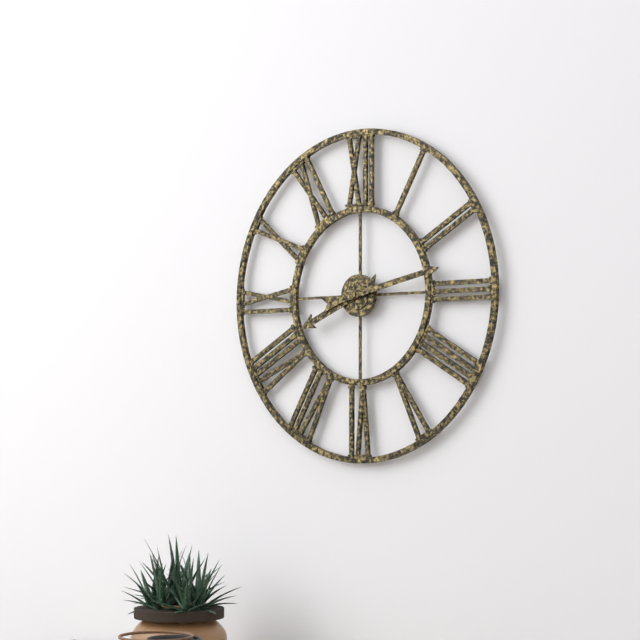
8:13
